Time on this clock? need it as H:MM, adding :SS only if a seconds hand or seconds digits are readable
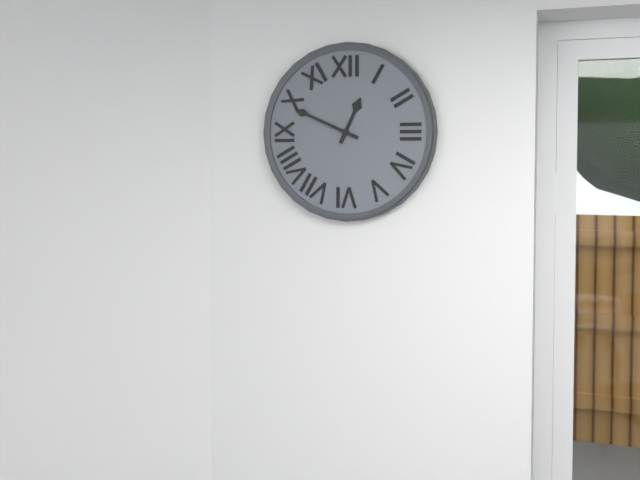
12:49
